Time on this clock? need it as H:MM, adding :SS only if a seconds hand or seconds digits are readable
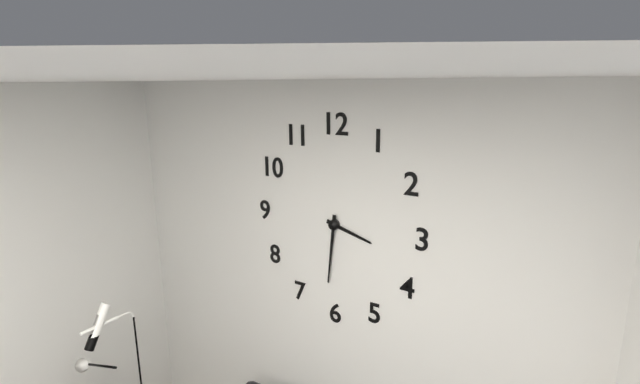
3:31
